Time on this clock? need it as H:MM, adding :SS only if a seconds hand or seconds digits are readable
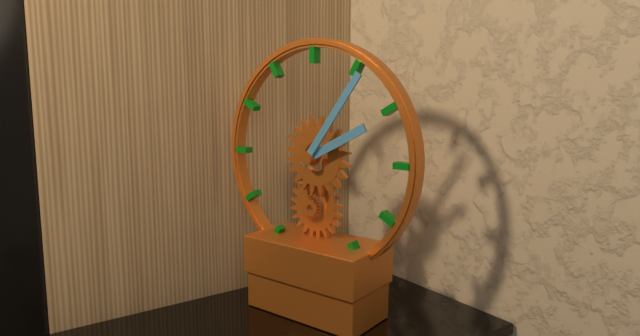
2:06
